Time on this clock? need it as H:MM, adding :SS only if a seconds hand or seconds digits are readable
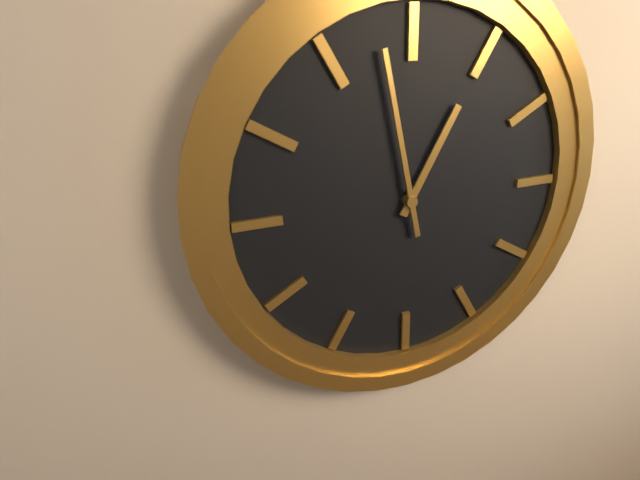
12:58
